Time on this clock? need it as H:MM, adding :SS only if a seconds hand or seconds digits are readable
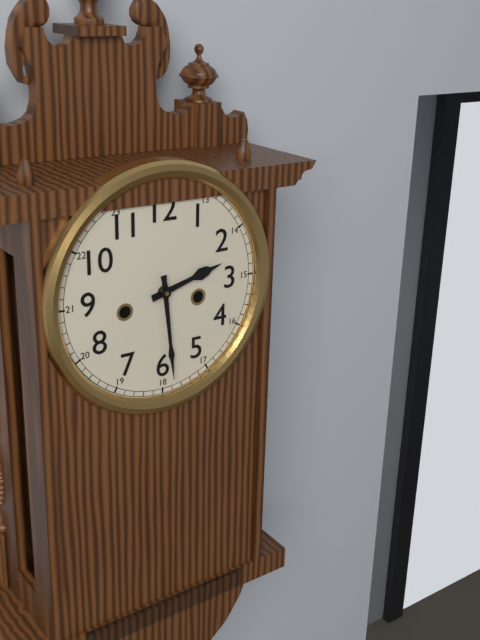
2:29
